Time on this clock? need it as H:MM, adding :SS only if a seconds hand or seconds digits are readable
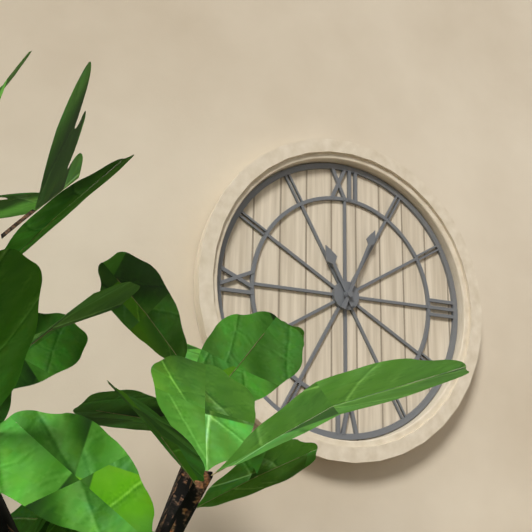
11:04
